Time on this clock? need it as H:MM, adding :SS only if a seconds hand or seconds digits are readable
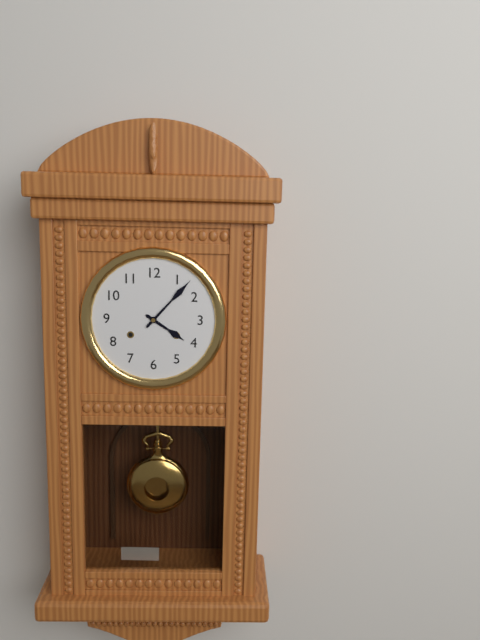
4:07
